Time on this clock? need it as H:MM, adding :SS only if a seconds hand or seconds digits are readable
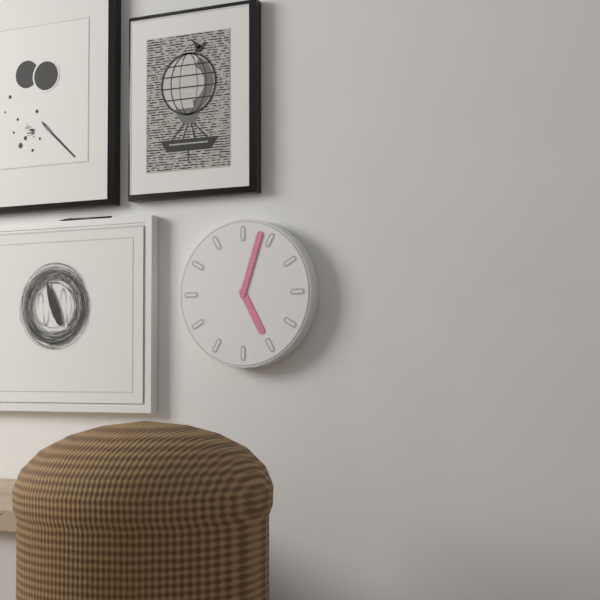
5:03
